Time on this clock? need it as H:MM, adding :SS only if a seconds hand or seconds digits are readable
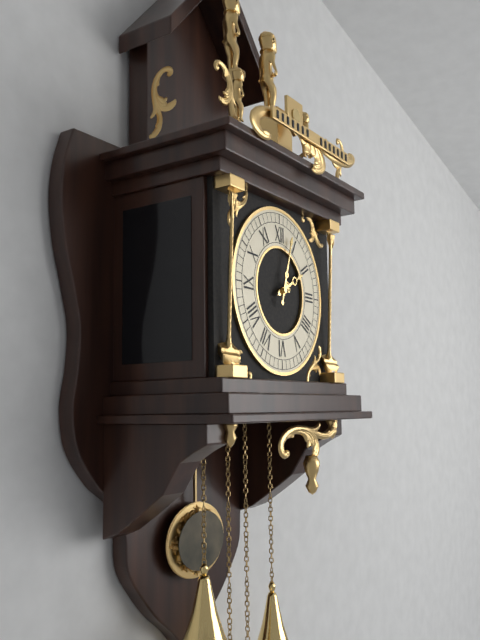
2:03
